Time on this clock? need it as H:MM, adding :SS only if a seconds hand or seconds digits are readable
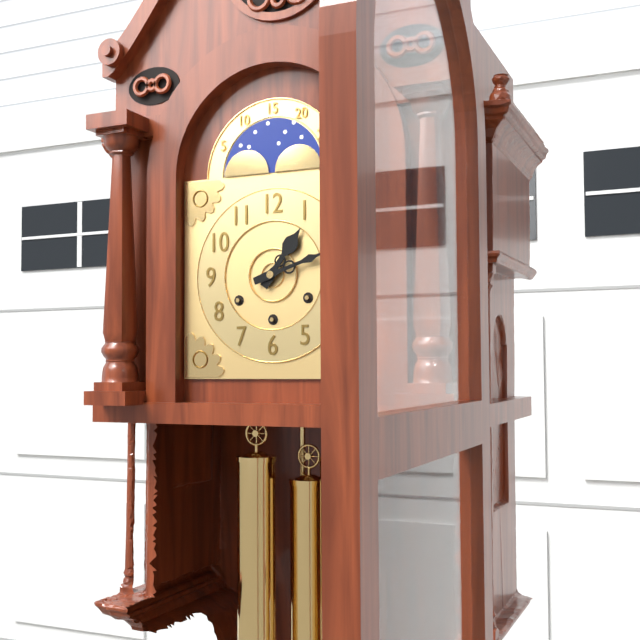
1:12
